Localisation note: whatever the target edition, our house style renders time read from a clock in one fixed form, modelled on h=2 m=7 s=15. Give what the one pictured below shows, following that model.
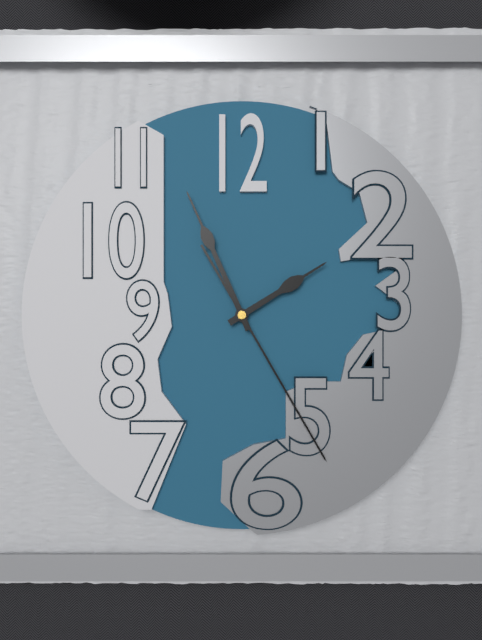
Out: h=1 m=56 s=25
